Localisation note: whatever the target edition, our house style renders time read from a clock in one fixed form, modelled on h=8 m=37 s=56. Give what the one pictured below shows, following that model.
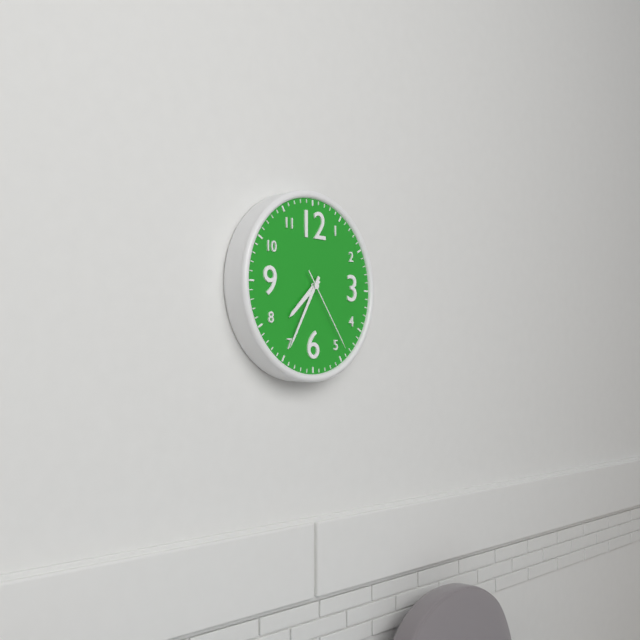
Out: h=7 m=35 s=24
